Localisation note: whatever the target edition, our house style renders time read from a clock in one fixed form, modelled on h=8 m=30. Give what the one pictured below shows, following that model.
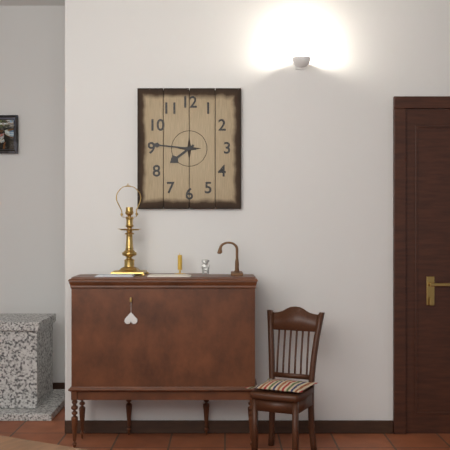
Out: h=7 m=46
